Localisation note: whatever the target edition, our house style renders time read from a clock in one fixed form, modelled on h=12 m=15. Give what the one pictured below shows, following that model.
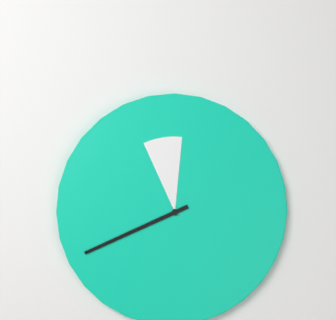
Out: h=11 m=41
